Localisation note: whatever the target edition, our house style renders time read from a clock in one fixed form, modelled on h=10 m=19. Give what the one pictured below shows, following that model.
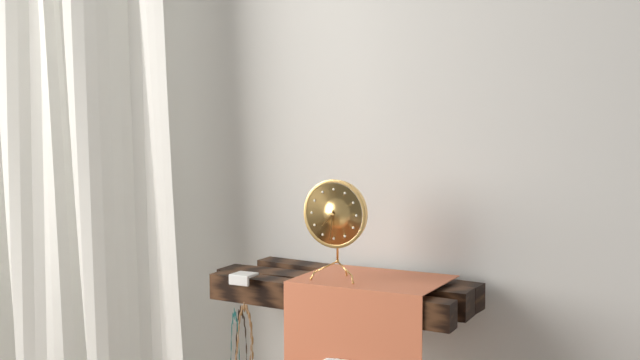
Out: h=7 m=31
